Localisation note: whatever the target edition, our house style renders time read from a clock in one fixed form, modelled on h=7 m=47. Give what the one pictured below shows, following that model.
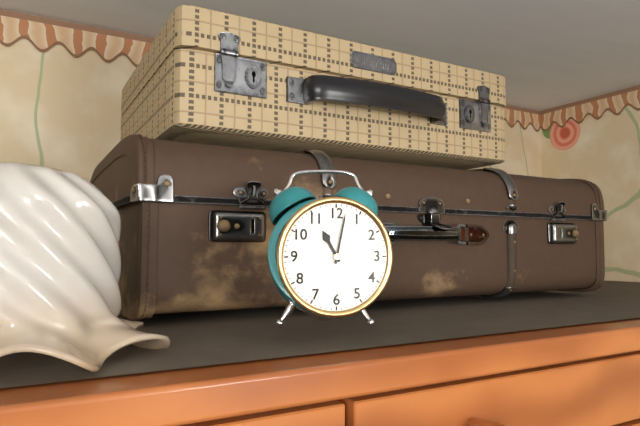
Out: h=11 m=2
